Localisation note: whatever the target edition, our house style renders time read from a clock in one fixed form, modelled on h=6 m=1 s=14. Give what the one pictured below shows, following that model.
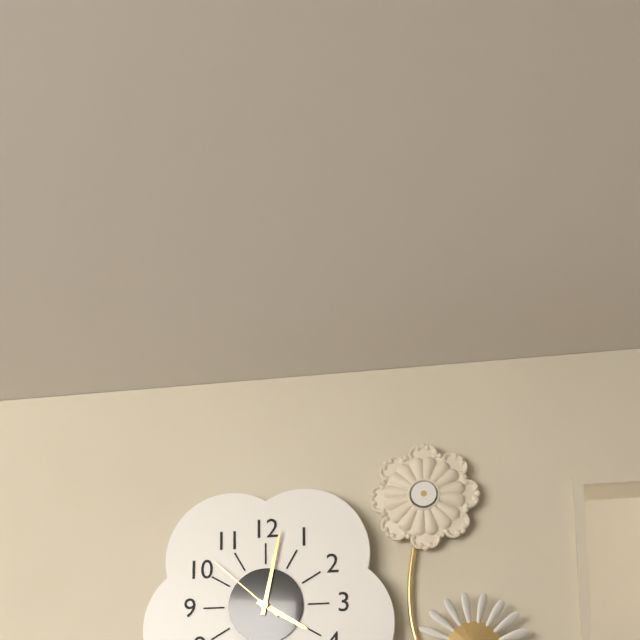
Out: h=4 m=2 s=52
